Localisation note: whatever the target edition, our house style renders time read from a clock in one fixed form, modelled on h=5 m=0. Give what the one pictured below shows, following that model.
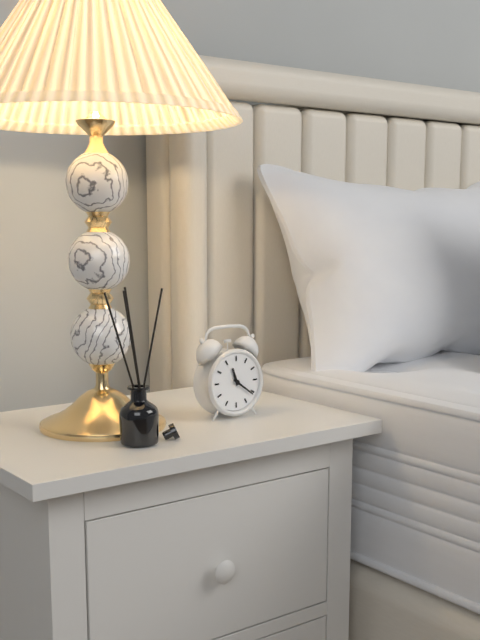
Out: h=11 m=21
